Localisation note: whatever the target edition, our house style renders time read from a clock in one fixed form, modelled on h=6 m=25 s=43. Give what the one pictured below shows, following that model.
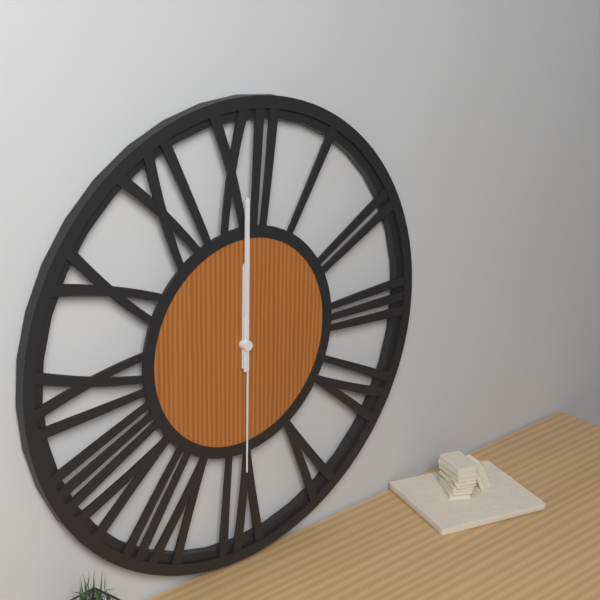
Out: h=12 m=0 s=30
